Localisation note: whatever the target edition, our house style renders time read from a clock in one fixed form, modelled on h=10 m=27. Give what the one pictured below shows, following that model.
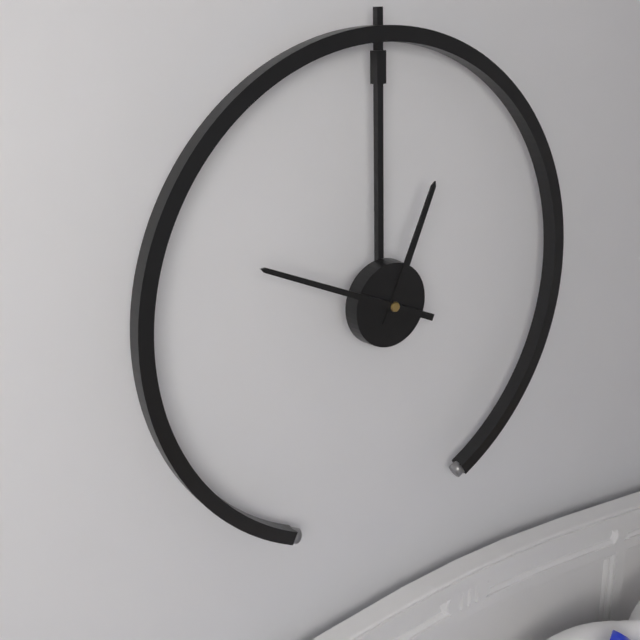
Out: h=12 m=49
